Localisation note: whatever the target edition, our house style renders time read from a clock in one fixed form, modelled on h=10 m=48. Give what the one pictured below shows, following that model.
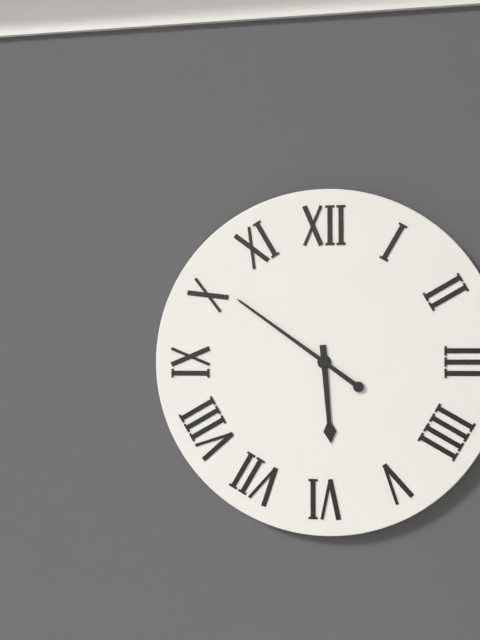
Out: h=5 m=51
